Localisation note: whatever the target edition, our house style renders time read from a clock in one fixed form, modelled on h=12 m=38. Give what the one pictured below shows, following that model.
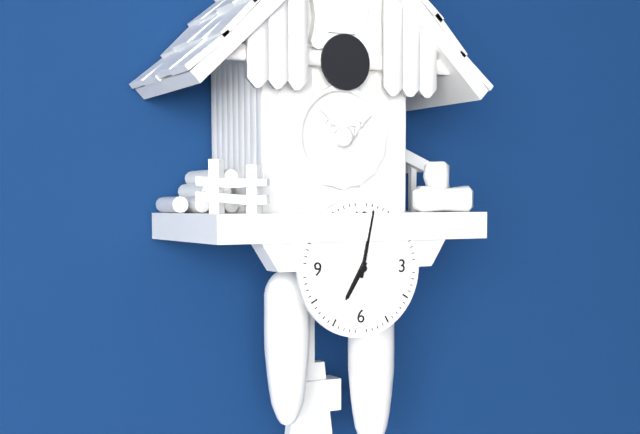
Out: h=7 m=2
